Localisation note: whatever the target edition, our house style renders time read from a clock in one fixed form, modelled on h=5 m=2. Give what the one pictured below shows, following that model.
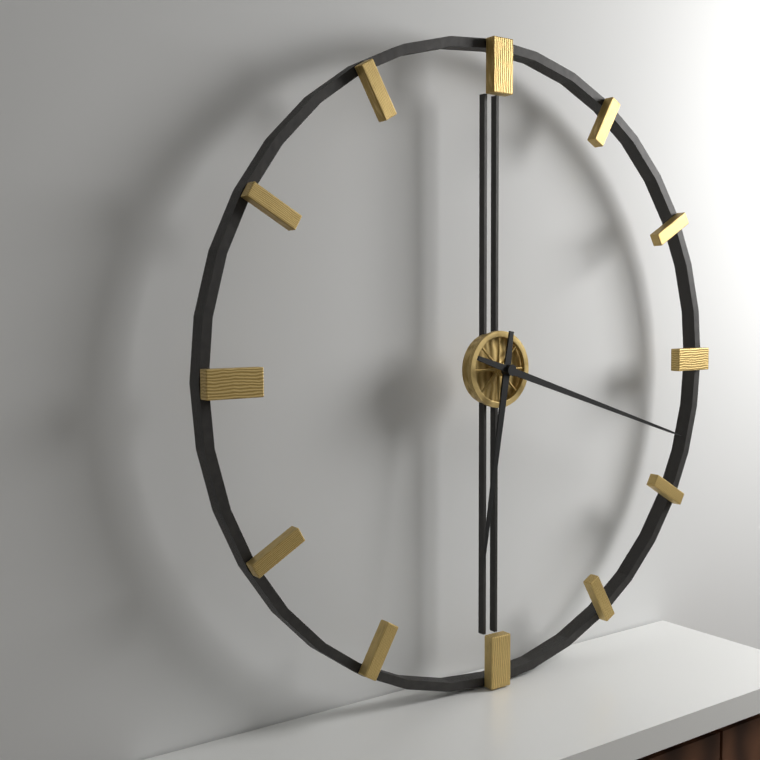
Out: h=6 m=18
